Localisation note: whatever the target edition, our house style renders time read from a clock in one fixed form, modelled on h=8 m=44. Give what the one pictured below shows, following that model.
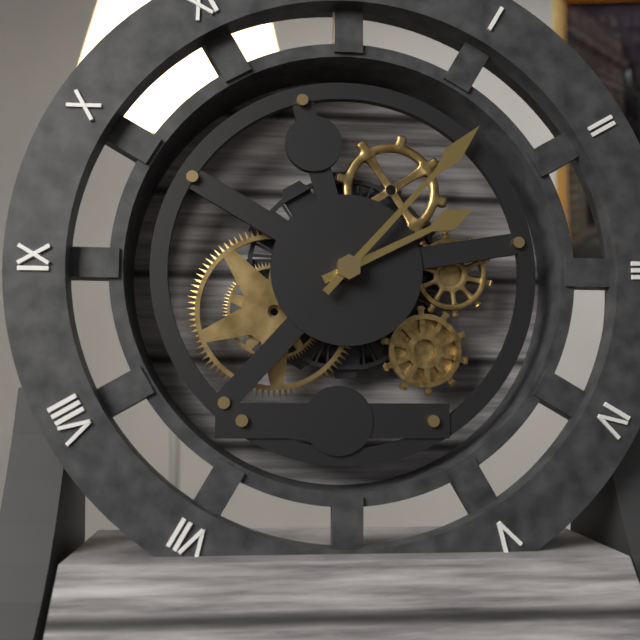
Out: h=2 m=7
